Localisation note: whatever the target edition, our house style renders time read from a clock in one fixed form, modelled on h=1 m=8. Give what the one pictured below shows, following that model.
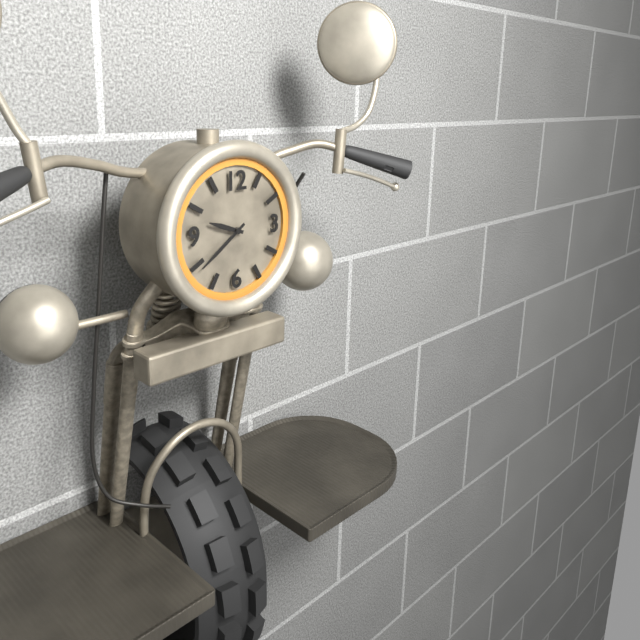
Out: h=9 m=39
